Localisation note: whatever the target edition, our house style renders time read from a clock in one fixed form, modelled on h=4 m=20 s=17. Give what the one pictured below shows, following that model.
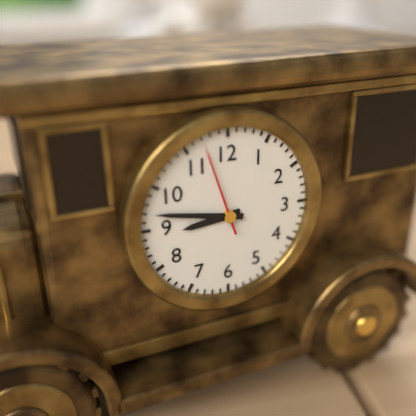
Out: h=8 m=47 s=57
